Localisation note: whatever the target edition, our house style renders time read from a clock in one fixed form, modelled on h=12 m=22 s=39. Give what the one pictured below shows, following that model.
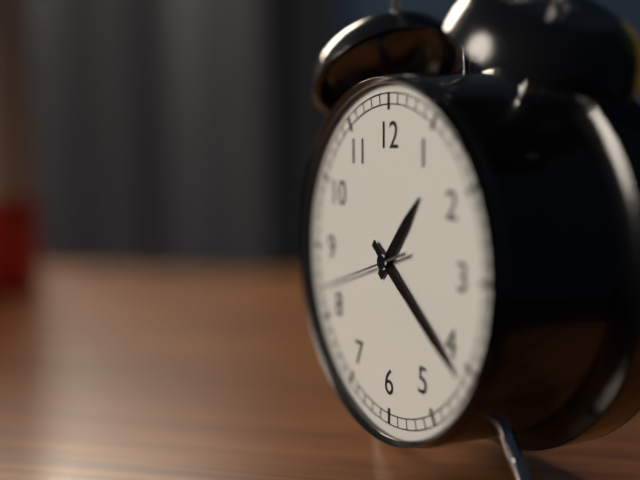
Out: h=1 m=21 s=42
